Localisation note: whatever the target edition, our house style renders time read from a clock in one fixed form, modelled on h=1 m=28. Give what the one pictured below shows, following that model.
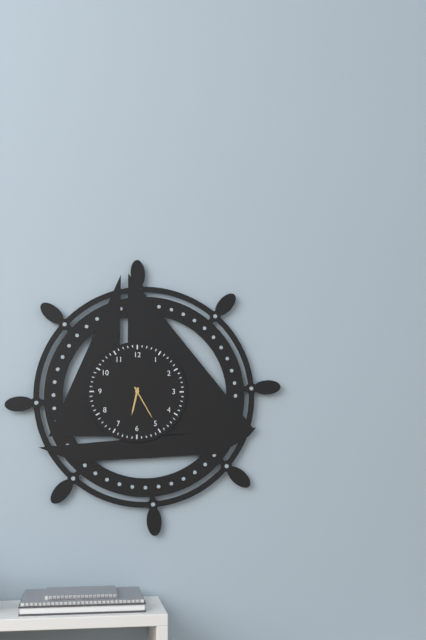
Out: h=6 m=25
